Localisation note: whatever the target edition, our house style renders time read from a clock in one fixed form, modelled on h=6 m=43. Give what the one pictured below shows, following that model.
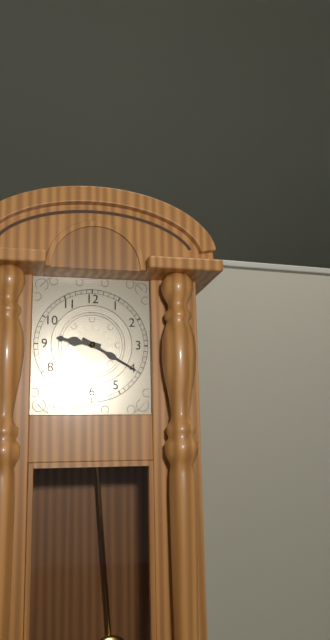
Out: h=9 m=20
